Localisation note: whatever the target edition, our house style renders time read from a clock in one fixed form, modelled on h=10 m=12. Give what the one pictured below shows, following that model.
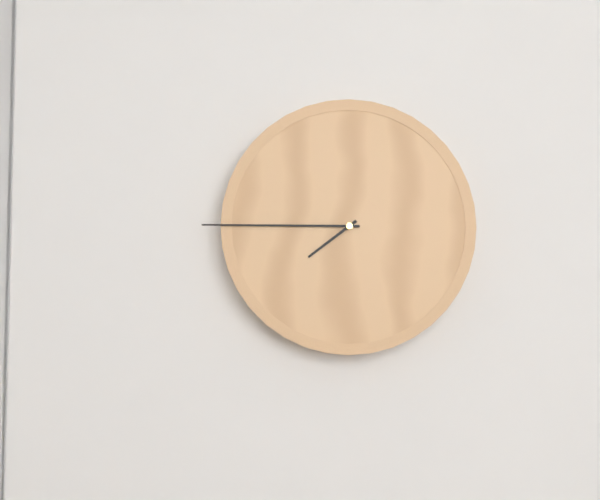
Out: h=7 m=45
